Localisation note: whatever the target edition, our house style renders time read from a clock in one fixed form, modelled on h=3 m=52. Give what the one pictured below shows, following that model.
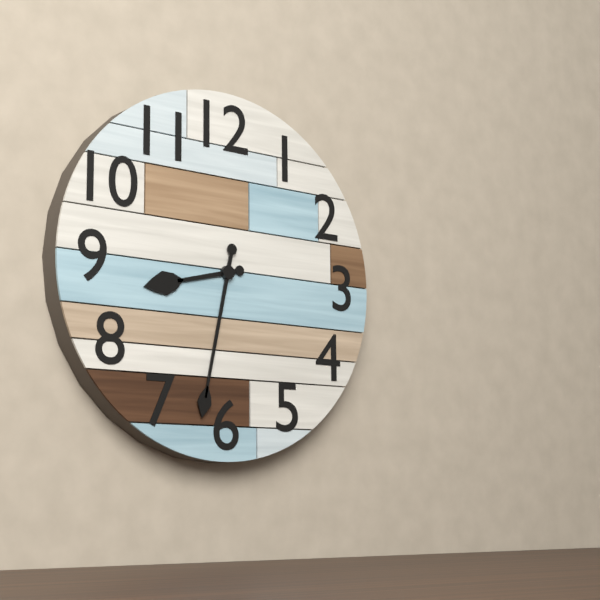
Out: h=8 m=32
